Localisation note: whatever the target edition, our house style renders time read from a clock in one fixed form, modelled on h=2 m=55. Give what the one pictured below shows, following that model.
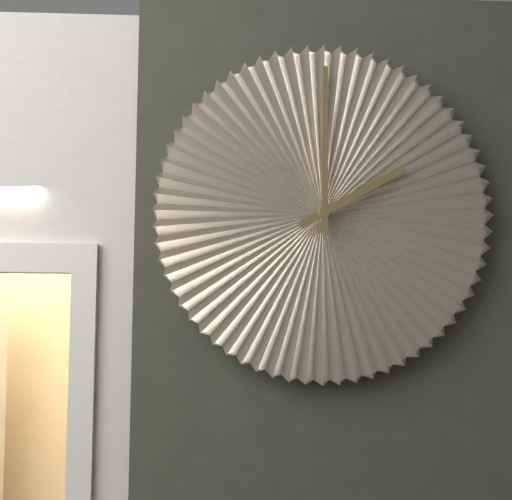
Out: h=2 m=0
